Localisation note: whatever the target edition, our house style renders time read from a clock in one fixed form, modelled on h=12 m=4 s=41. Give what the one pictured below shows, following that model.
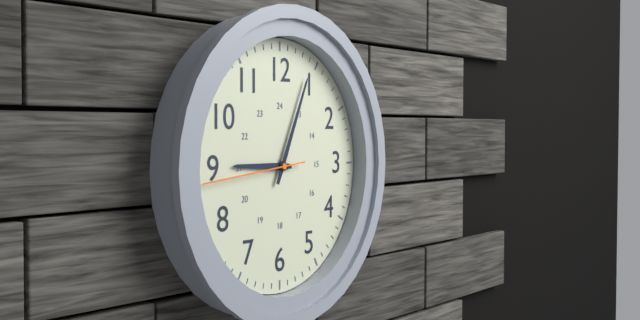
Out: h=9 m=4 s=44
